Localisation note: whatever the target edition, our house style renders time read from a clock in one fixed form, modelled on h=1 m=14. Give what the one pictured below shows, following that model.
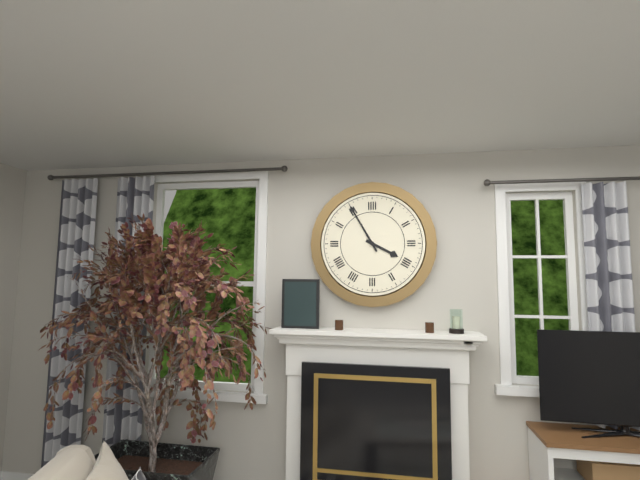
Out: h=3 m=55
